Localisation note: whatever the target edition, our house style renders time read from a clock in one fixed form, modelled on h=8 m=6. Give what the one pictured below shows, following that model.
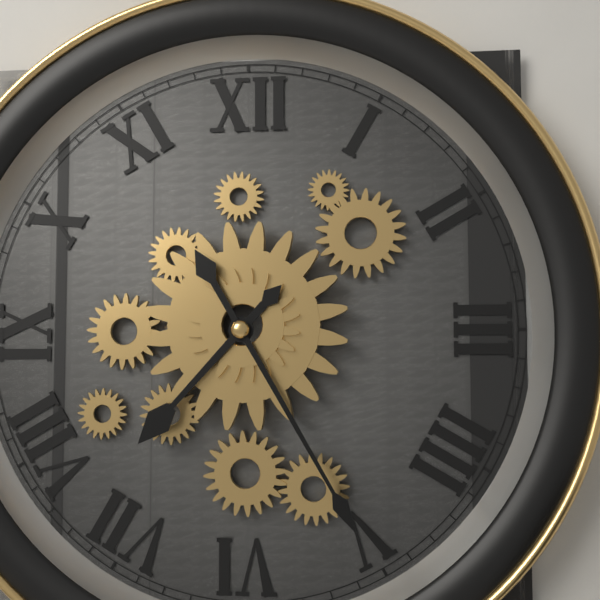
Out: h=7 m=25
